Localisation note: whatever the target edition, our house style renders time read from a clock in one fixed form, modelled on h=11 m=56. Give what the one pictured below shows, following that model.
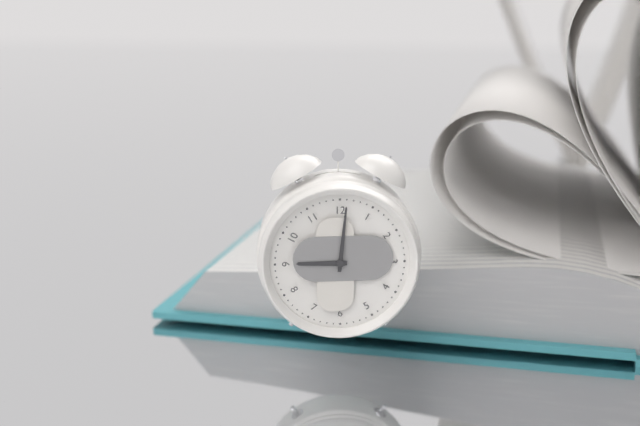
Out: h=9 m=1
